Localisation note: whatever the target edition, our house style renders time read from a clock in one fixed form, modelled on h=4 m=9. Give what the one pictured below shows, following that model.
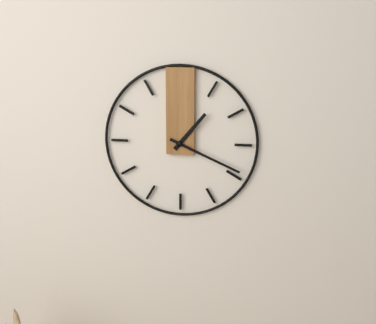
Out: h=1 m=19
